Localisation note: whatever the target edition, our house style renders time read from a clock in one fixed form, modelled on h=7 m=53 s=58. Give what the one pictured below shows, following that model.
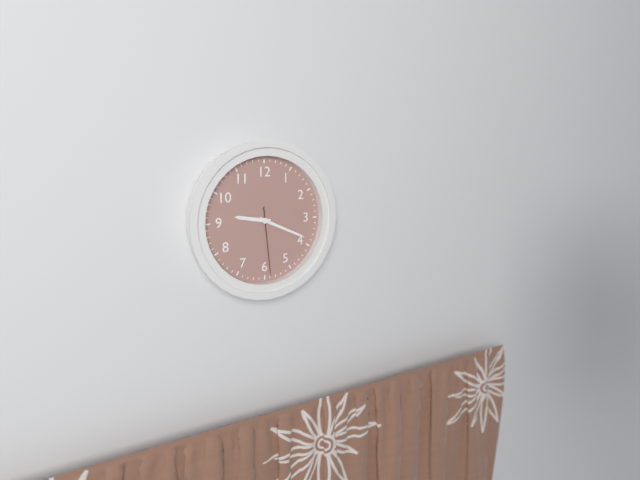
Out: h=9 m=19 s=29
